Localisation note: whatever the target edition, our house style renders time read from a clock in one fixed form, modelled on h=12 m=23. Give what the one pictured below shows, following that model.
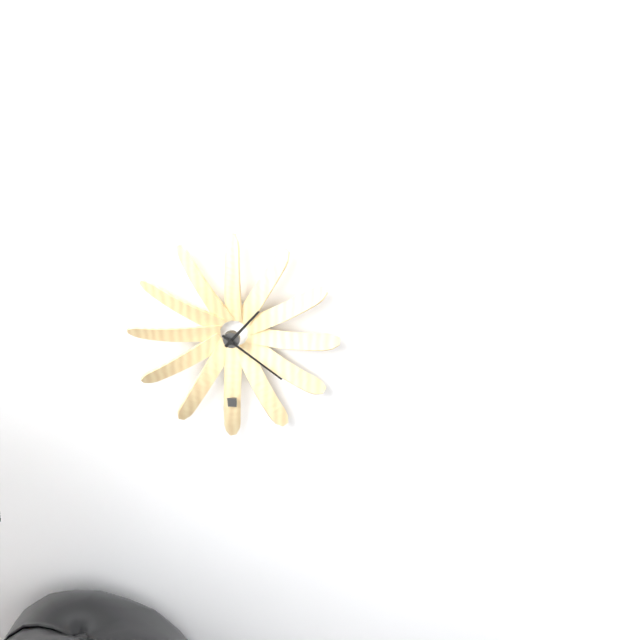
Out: h=1 m=21
